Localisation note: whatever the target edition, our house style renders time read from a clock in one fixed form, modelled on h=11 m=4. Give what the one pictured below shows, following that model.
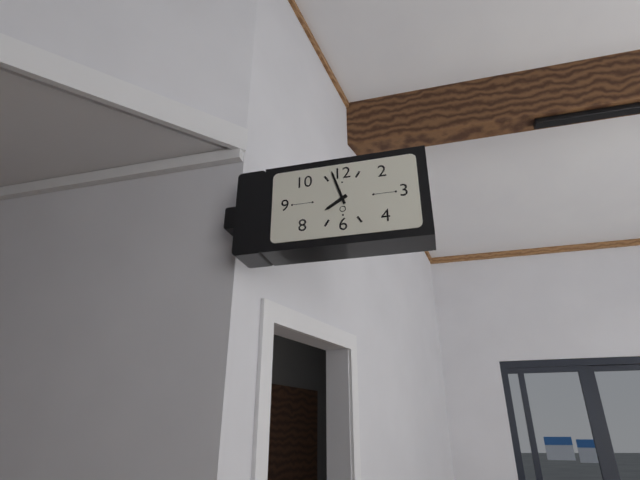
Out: h=7 m=57
